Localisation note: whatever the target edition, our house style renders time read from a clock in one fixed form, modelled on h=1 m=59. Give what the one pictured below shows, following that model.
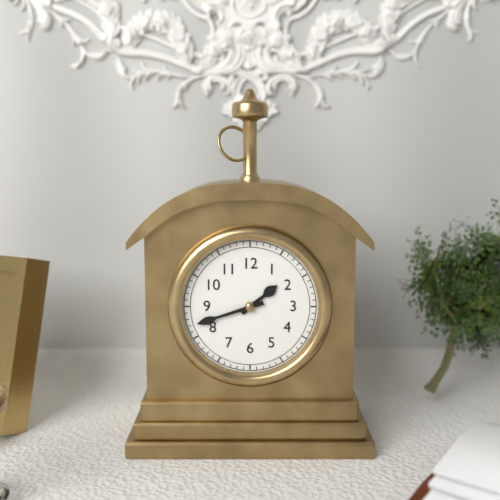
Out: h=1 m=42
